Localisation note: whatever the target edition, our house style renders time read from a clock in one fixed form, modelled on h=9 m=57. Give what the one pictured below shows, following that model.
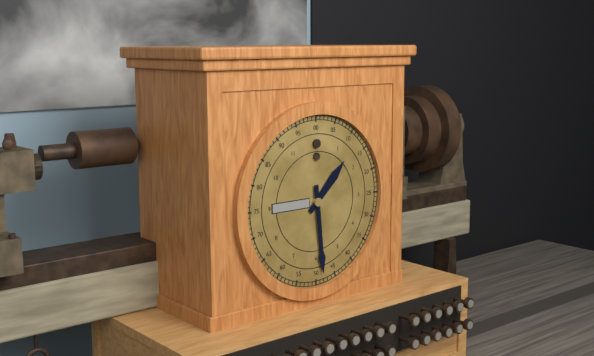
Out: h=1 m=29
